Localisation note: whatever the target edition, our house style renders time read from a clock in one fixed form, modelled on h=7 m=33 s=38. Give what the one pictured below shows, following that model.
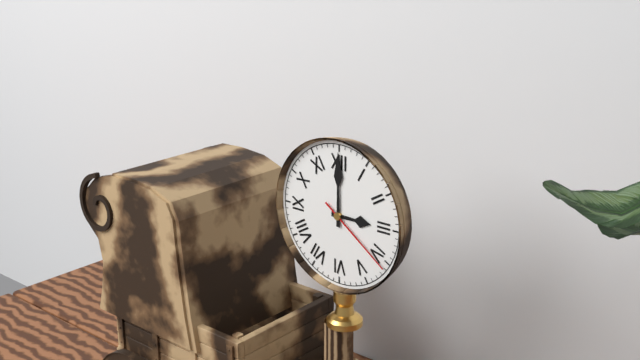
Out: h=3 m=0 s=21
